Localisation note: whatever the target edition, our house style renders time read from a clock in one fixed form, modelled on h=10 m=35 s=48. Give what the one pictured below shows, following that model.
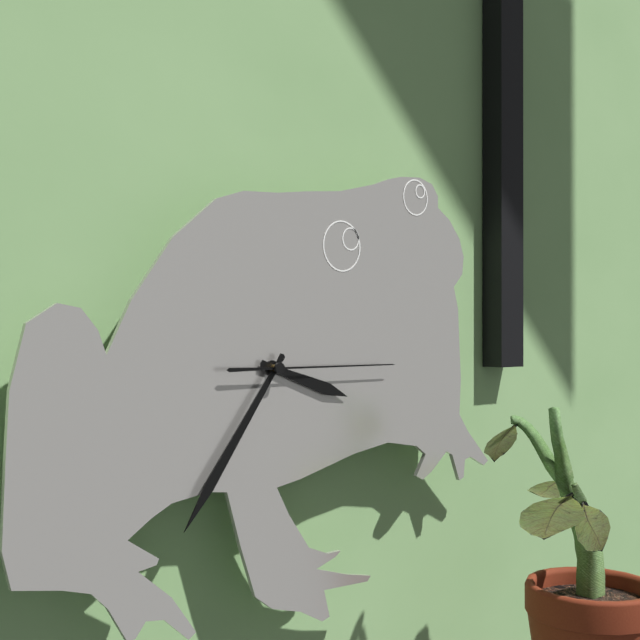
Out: h=3 m=36 s=15
